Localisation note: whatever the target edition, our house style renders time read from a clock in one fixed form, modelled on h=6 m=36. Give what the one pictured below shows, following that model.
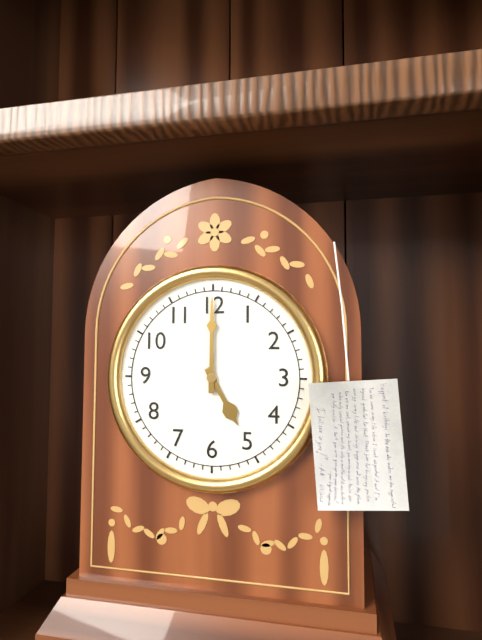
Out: h=5 m=0
